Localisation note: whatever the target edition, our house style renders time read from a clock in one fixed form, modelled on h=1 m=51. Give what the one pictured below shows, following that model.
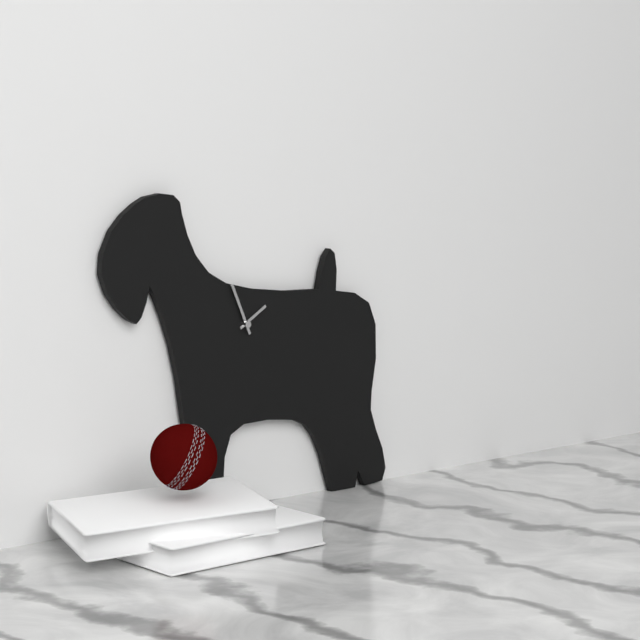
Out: h=1 m=56
